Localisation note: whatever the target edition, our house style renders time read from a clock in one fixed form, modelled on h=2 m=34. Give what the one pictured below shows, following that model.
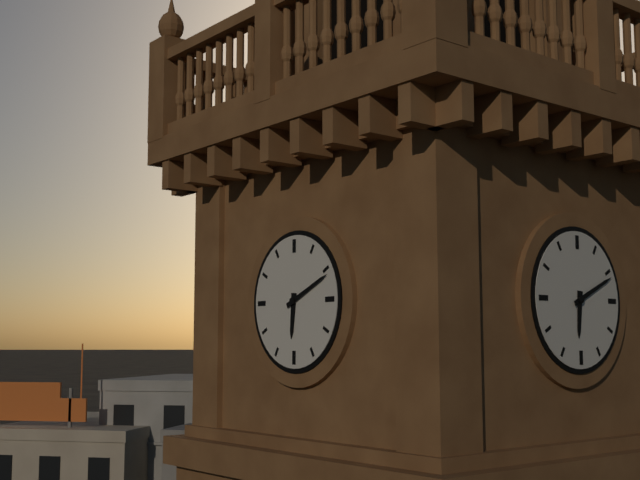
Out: h=6 m=11
